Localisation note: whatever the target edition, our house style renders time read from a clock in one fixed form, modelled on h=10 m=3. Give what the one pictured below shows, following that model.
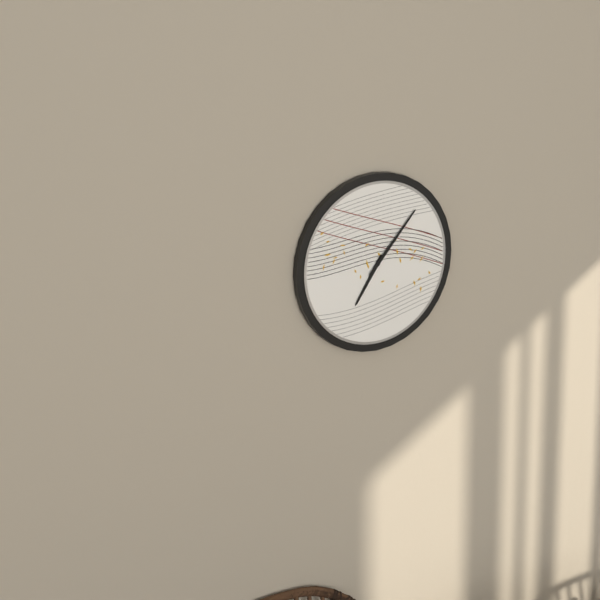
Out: h=7 m=7
